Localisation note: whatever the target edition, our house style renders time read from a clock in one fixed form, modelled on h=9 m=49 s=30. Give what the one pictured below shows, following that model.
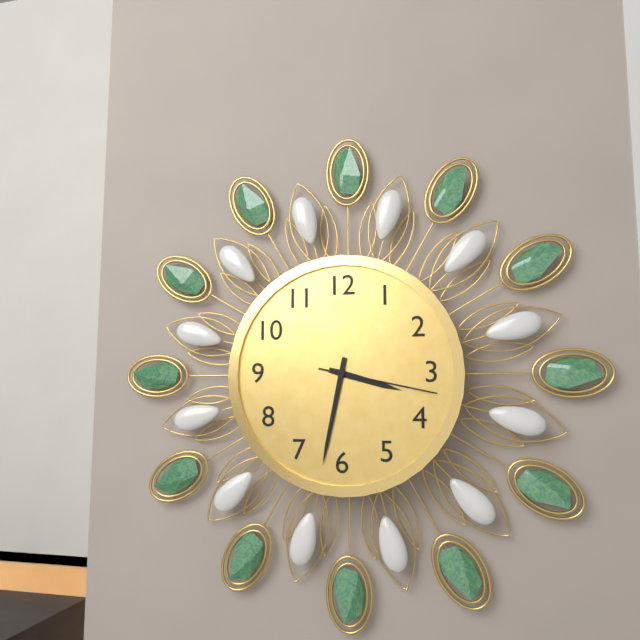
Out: h=3 m=32 s=17
